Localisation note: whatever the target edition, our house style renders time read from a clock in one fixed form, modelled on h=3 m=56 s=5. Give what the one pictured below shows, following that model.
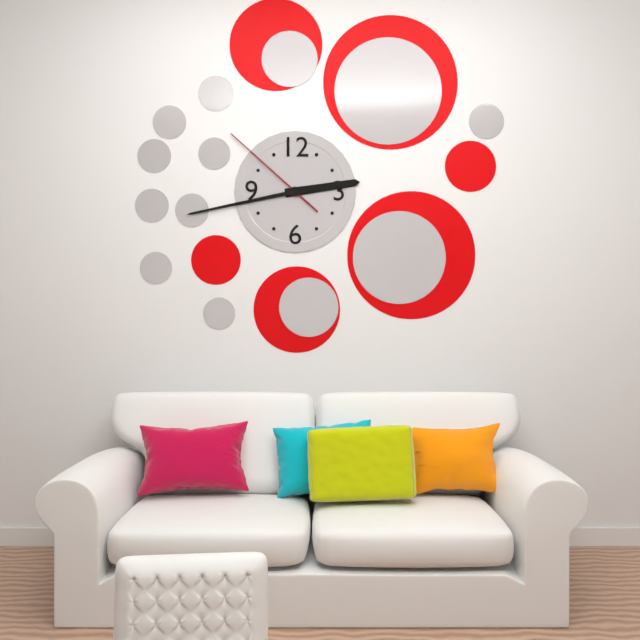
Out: h=2 m=43 s=52
